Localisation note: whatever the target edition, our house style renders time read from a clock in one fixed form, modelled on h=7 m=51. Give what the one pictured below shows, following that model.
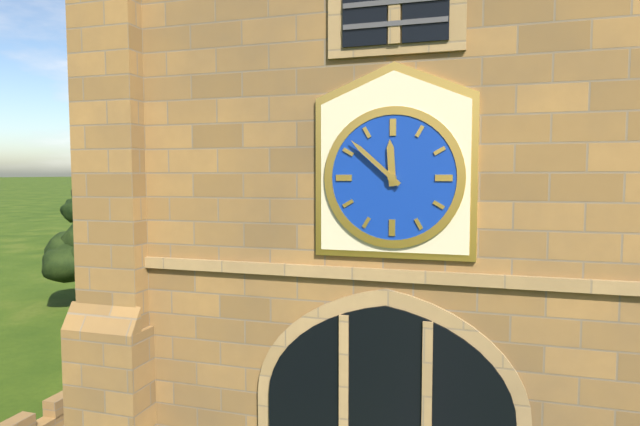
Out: h=11 m=52
